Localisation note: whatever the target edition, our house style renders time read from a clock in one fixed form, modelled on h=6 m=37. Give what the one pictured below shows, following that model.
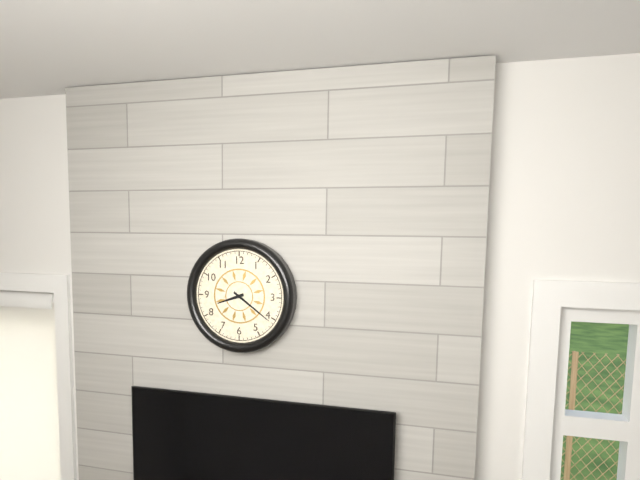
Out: h=8 m=21
